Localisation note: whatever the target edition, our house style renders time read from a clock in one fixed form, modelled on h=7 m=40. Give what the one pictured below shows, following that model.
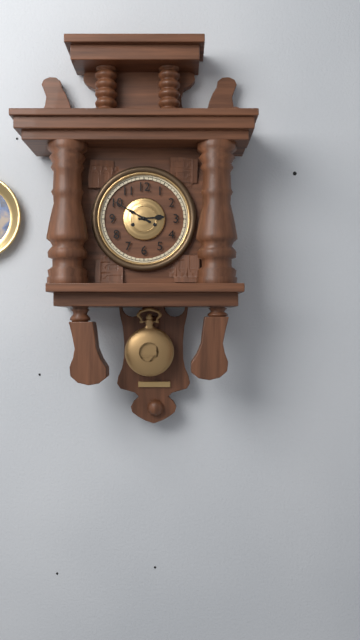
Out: h=2 m=50
